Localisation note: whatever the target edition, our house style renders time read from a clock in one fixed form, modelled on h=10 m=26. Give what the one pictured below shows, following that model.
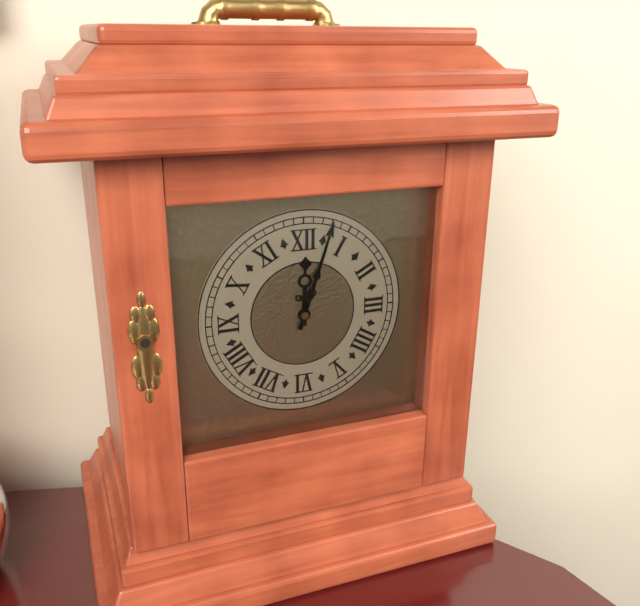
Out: h=12 m=3
